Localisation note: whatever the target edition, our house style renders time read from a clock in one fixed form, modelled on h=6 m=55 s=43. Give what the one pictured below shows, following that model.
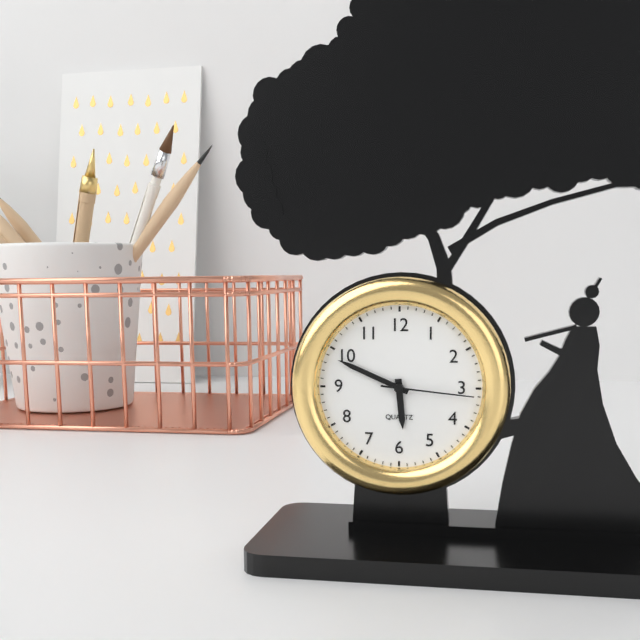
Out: h=5 m=49 s=16
